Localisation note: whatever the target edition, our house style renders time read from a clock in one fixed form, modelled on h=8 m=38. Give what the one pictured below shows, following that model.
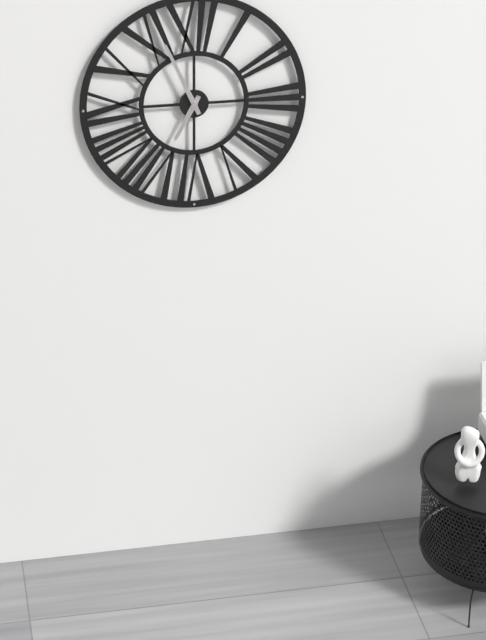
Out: h=6 m=56
